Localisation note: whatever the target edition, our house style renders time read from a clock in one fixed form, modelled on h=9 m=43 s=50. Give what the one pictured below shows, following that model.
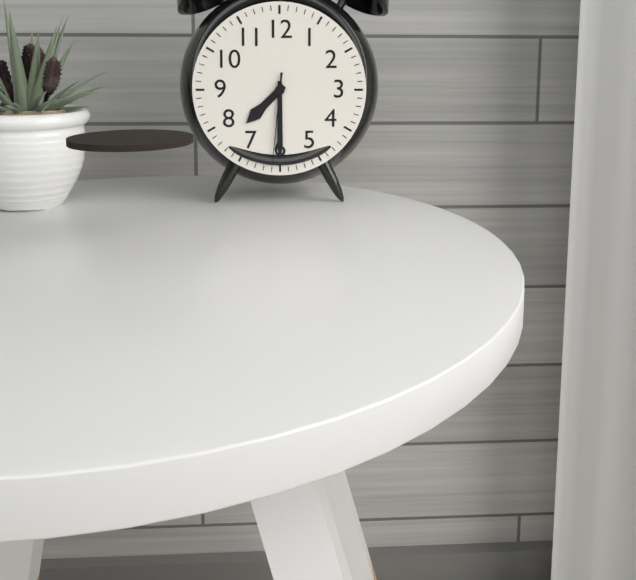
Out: h=7 m=30 s=31
